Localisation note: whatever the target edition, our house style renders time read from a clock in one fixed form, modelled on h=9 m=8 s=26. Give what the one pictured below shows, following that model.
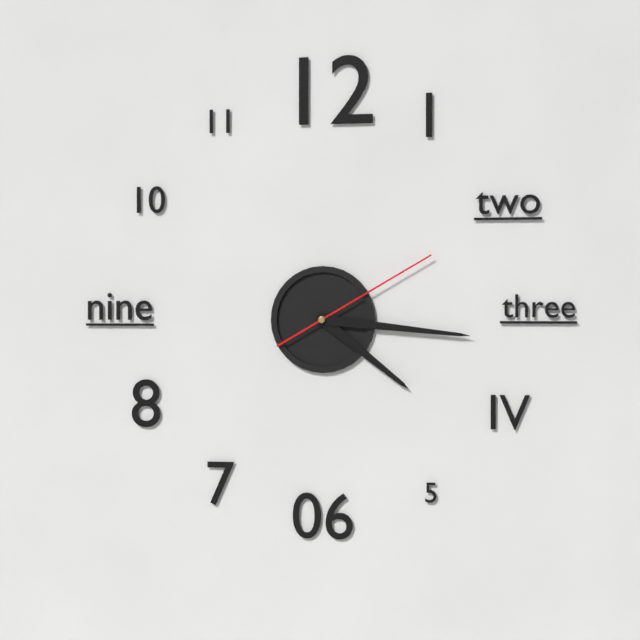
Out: h=4 m=16 s=10
